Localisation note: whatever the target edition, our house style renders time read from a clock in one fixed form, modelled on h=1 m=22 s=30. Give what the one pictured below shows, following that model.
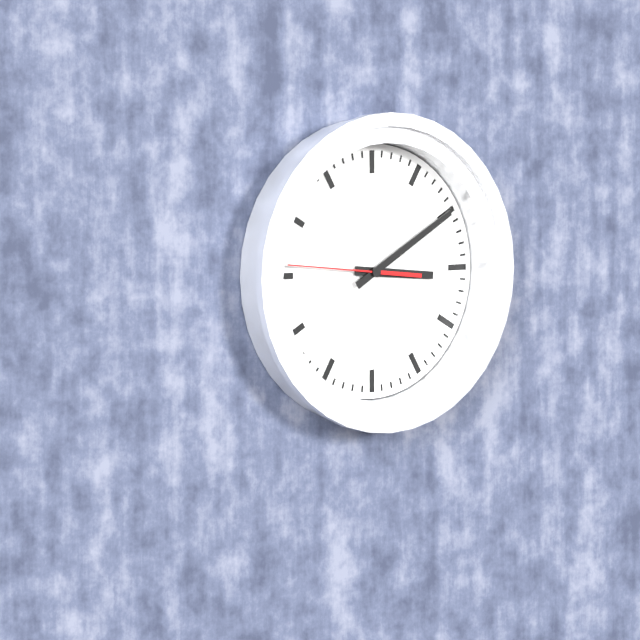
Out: h=3 m=10 s=46
